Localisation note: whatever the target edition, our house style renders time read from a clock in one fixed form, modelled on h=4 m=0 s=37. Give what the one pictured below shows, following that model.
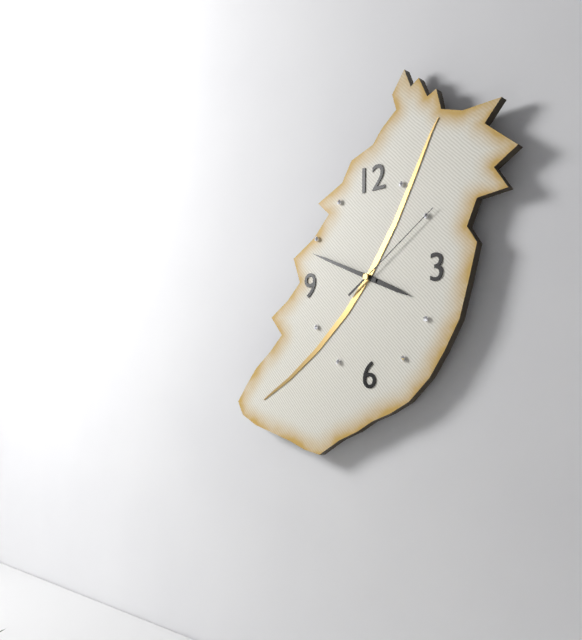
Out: h=3 m=49 s=9
